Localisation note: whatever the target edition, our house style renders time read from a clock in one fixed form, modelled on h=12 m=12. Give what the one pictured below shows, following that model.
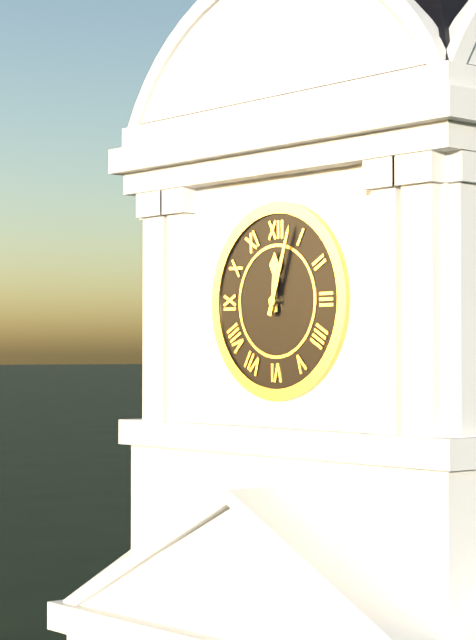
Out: h=12 m=3
